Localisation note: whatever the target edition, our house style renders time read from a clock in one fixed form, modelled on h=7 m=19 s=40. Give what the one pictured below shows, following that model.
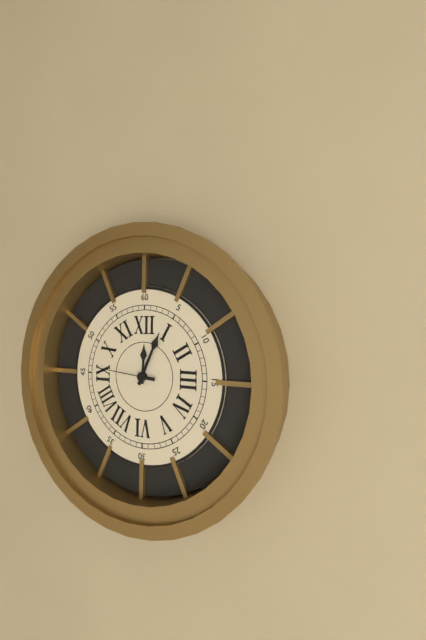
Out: h=12 m=4 s=46
